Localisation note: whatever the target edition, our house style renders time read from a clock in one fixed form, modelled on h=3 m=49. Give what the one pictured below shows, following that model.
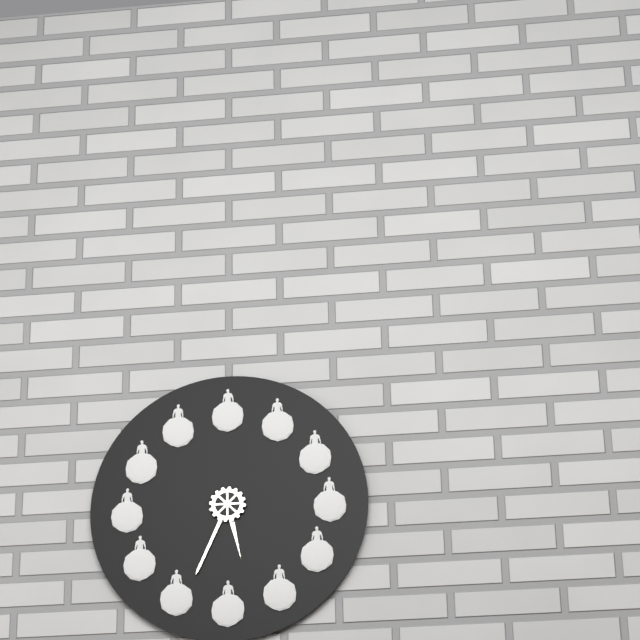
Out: h=5 m=34
